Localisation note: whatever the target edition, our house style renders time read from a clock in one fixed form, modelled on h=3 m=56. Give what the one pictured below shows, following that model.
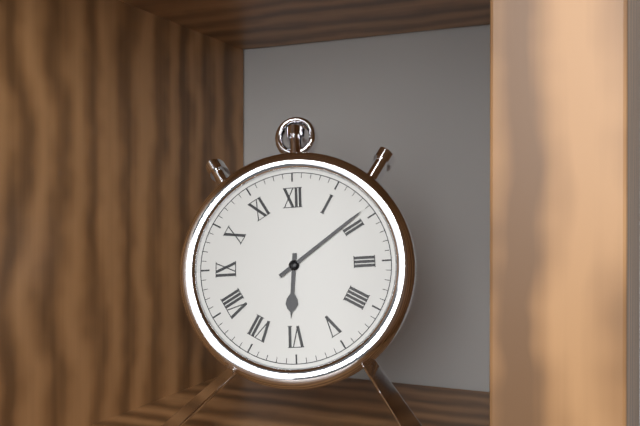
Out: h=6 m=9
